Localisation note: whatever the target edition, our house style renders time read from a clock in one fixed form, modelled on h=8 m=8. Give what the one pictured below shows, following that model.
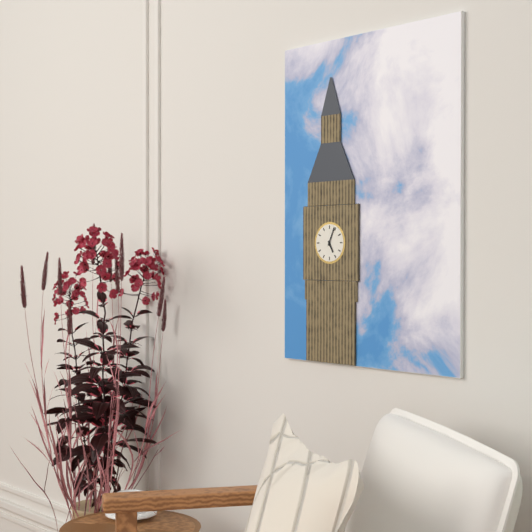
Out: h=5 m=4
